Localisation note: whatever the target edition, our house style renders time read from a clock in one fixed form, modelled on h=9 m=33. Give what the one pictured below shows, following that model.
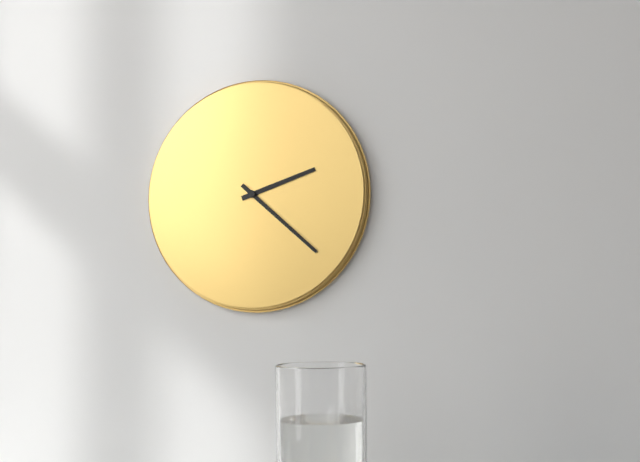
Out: h=2 m=22
